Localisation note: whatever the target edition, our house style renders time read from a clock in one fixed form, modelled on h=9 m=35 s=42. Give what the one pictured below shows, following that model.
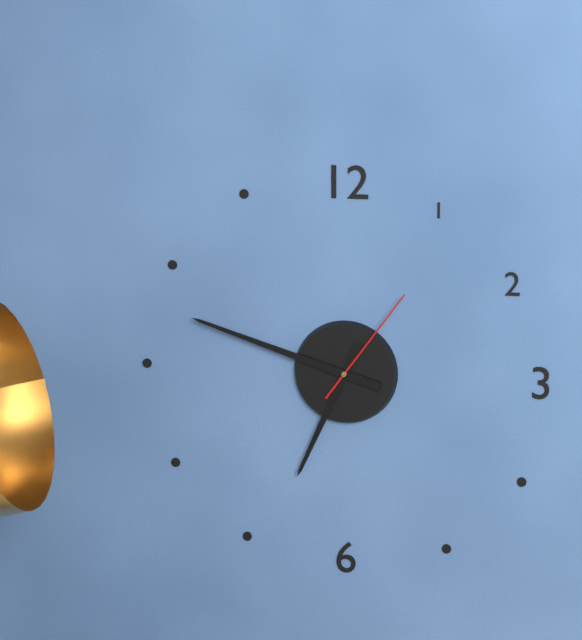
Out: h=6 m=48 s=6
